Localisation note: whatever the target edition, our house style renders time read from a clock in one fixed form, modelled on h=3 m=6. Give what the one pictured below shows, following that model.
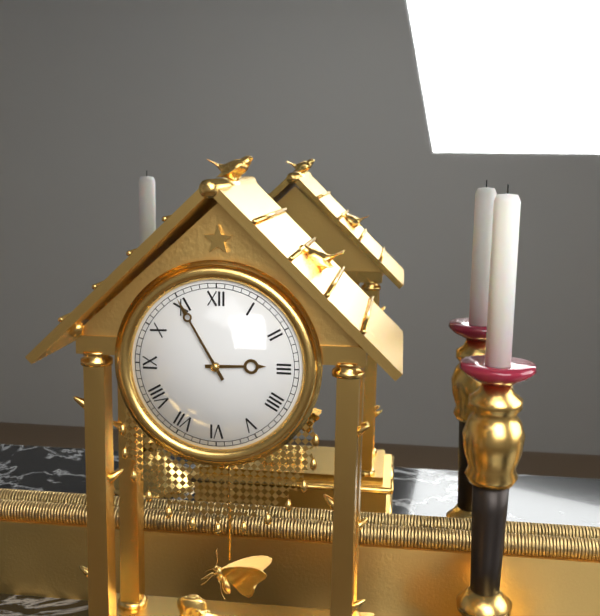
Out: h=2 m=55
